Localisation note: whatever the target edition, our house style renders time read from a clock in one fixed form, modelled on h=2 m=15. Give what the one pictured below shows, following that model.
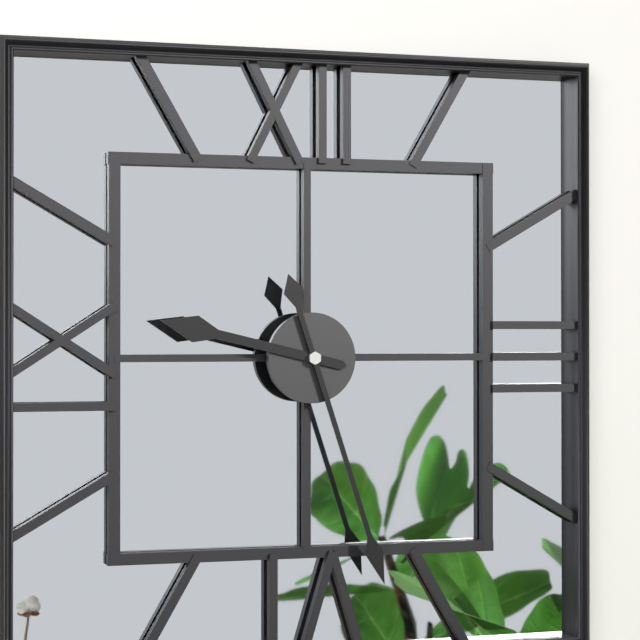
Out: h=9 m=27
